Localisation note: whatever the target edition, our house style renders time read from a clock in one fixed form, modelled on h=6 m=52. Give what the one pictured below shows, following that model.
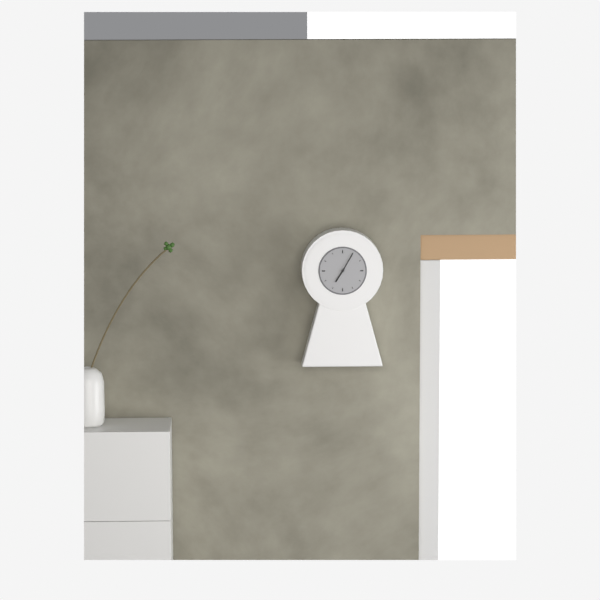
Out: h=7 m=5
